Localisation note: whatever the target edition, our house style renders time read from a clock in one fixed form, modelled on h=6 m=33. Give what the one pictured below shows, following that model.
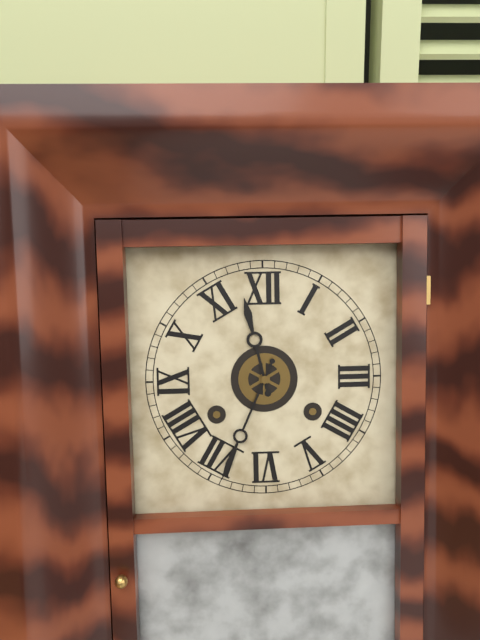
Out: h=11 m=34
